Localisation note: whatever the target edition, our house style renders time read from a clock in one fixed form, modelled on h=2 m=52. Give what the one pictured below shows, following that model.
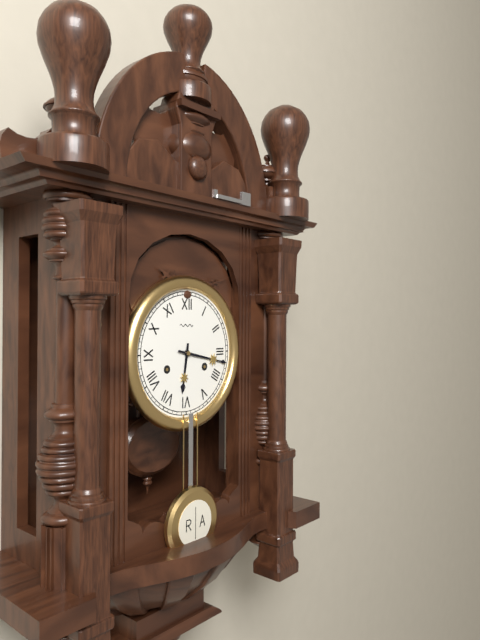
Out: h=6 m=17
